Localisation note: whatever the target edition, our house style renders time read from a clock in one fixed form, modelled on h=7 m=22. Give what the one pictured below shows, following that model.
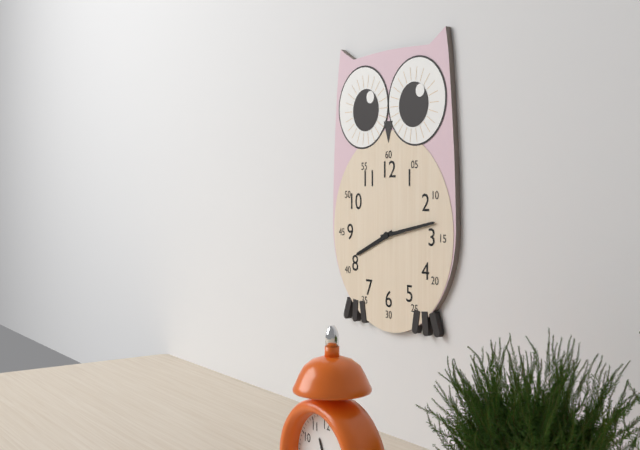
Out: h=8 m=13
